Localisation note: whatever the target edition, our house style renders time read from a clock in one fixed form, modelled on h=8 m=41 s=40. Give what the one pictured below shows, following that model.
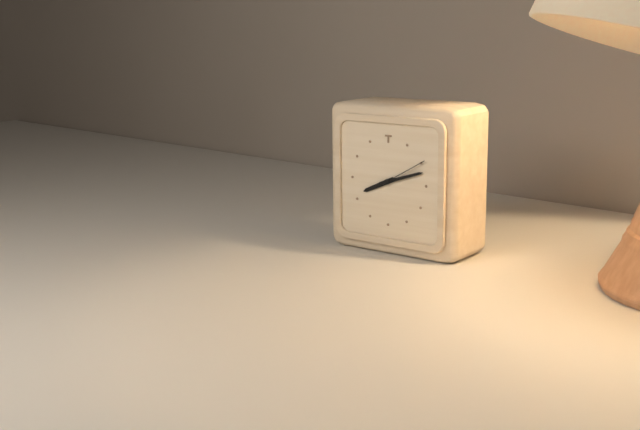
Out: h=8 m=12 s=10
